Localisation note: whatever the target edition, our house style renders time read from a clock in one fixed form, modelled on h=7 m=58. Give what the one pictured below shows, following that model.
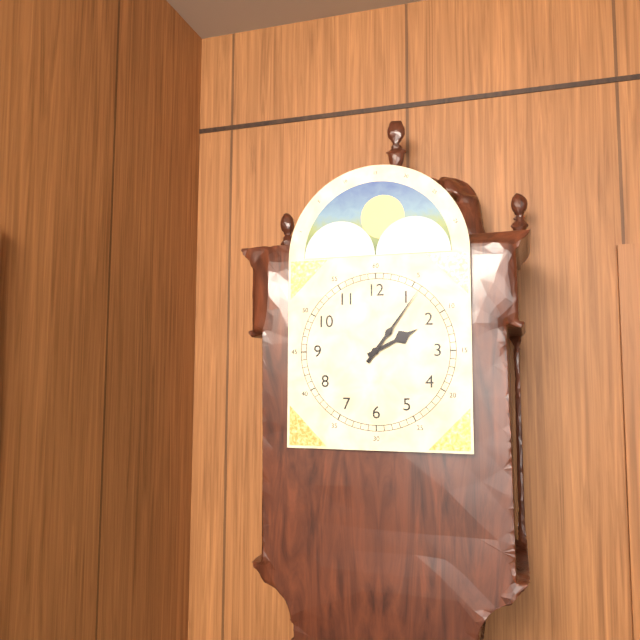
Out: h=2 m=6
